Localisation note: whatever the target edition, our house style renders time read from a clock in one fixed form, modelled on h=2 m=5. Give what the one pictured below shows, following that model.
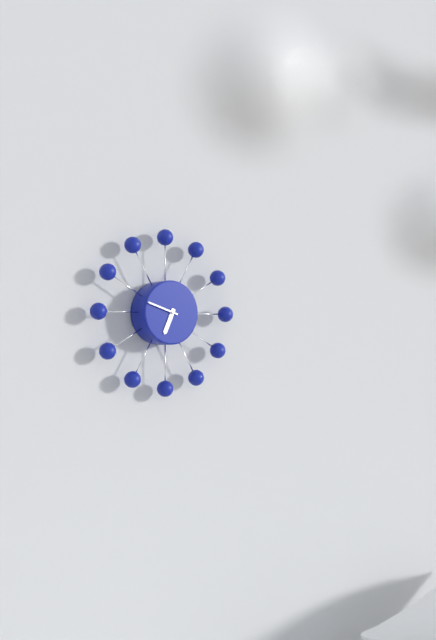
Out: h=6 m=48
